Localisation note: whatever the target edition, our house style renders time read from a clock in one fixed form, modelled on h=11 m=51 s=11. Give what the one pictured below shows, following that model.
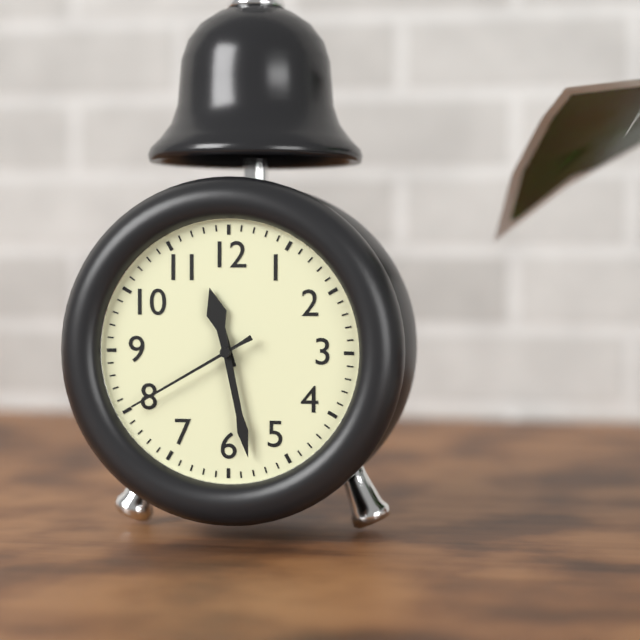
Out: h=11 m=28 s=40
